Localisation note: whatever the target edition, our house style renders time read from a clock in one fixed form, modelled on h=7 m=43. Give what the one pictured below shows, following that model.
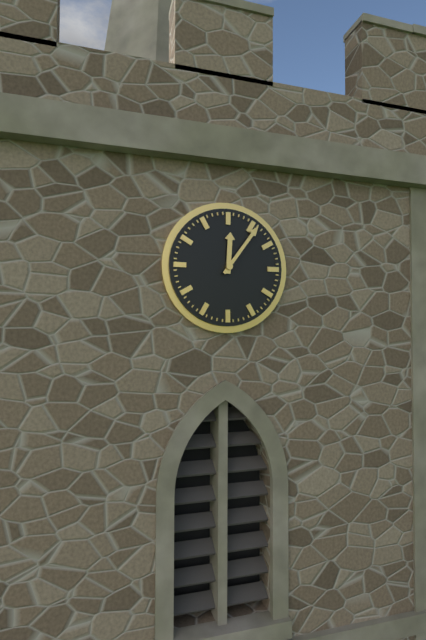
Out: h=12 m=6
